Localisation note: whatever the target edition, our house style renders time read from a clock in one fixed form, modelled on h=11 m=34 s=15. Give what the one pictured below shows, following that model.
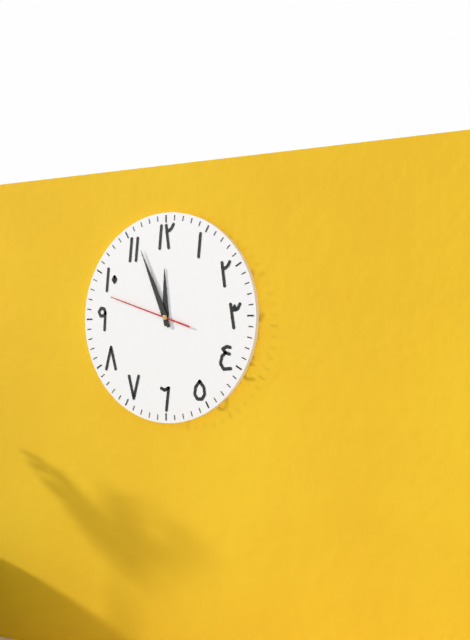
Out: h=11 m=56 s=48
